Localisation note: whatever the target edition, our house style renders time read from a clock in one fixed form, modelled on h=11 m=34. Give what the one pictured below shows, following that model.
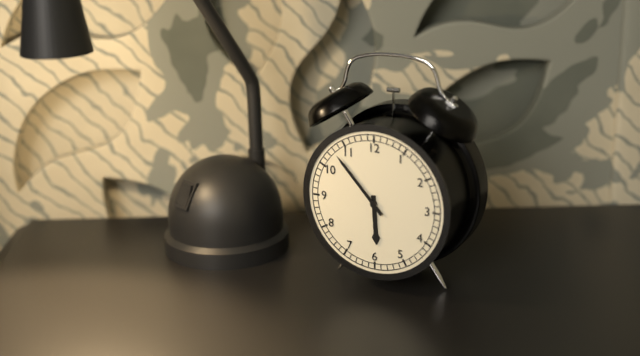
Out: h=5 m=53
